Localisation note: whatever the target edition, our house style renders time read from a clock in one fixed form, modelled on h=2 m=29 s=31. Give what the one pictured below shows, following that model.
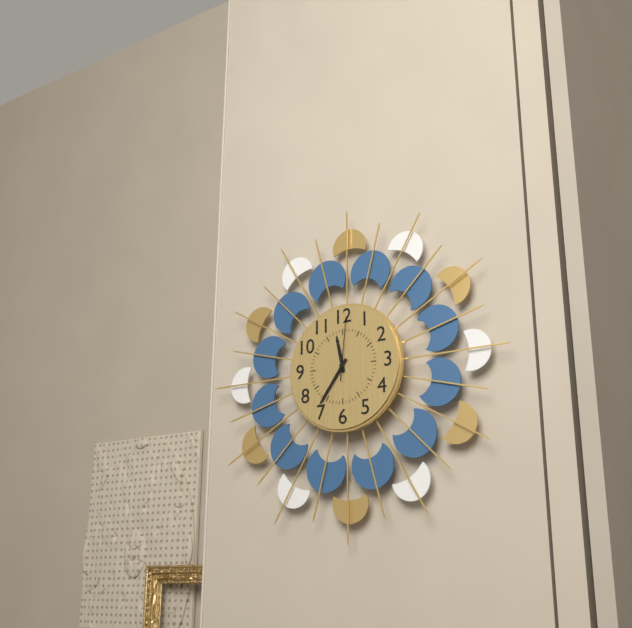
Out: h=11 m=36 s=1
